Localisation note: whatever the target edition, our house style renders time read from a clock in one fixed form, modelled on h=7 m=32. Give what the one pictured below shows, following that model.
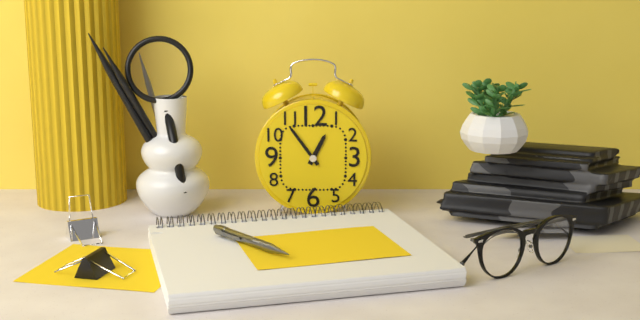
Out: h=12 m=54
